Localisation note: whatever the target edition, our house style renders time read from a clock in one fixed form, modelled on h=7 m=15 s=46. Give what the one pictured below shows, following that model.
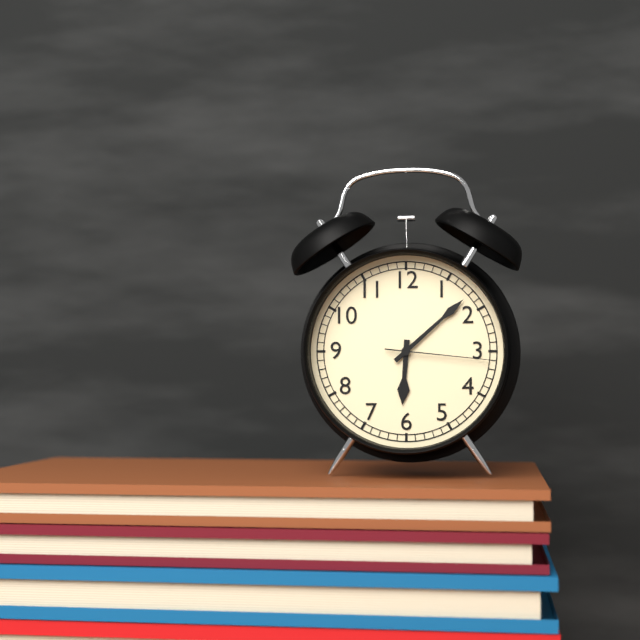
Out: h=6 m=8 s=16
